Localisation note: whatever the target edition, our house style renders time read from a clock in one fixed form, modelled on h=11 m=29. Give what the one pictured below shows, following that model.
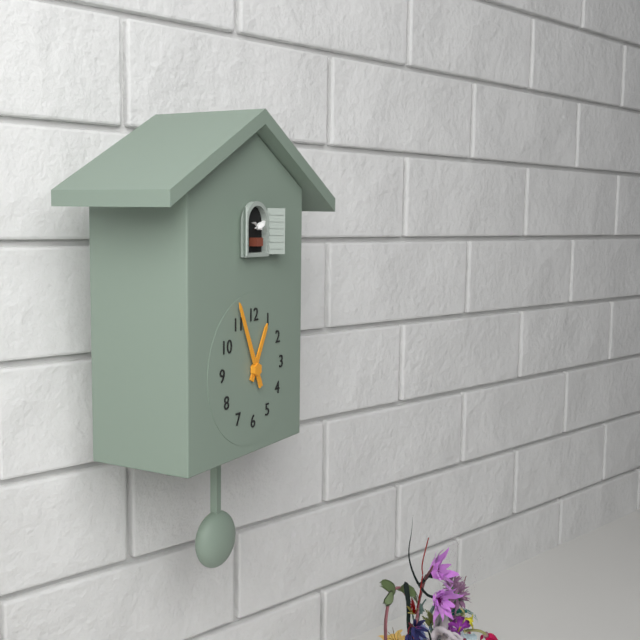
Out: h=12 m=56
